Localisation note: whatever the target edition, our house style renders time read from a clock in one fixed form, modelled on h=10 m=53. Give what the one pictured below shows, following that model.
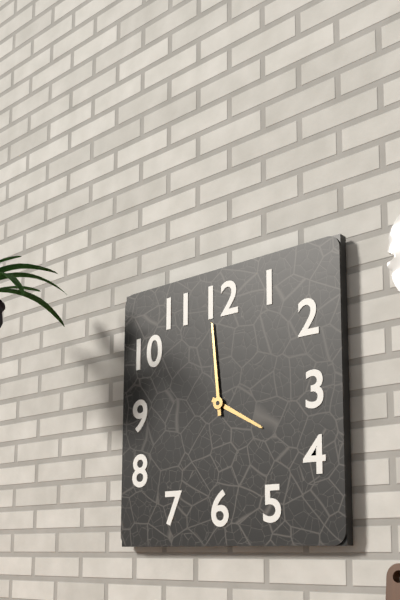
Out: h=3 m=59
